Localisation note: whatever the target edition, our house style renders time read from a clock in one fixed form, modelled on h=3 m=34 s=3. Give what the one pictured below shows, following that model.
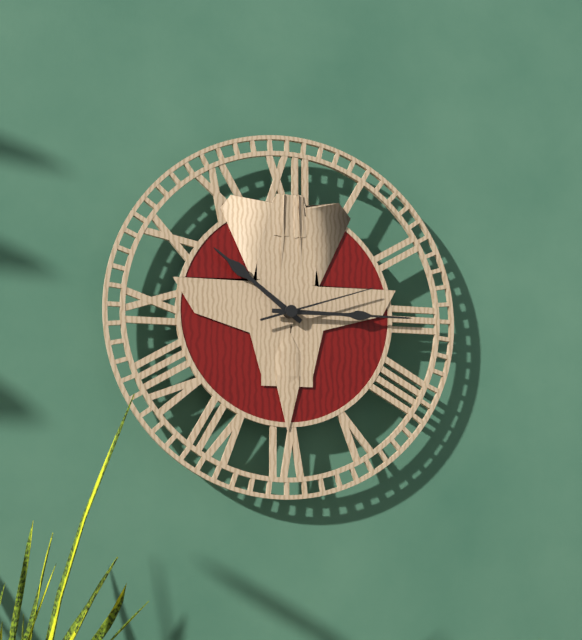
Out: h=10 m=15 s=12
